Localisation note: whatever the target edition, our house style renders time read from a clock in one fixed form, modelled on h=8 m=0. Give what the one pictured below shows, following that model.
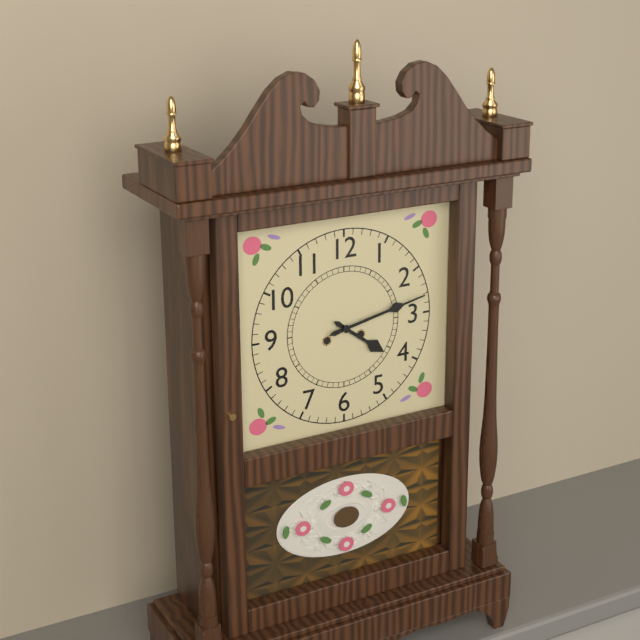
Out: h=4 m=13
